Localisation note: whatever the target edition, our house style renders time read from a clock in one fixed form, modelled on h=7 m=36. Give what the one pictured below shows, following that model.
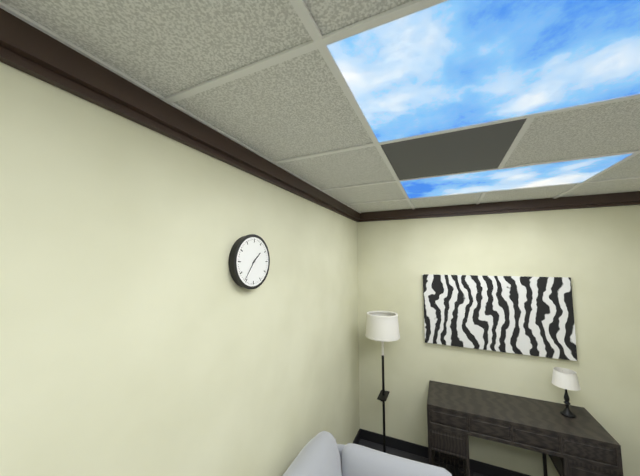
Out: h=1 m=36
